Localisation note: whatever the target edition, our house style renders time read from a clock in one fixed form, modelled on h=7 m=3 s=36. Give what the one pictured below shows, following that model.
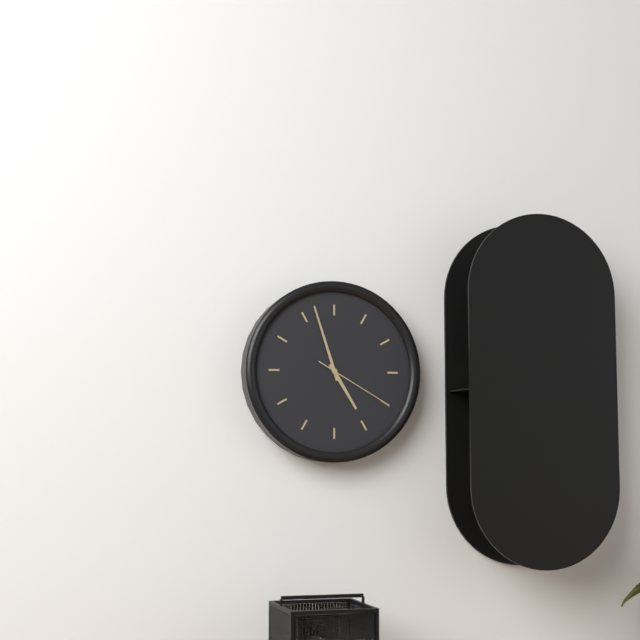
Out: h=4 m=57 s=20
